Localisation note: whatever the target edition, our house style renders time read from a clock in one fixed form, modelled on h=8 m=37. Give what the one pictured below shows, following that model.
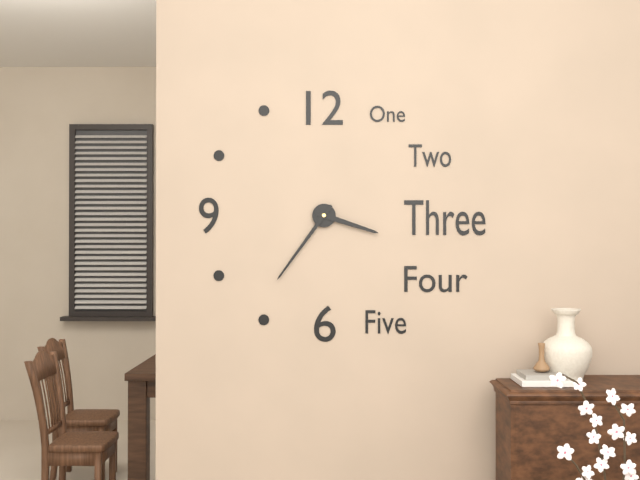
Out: h=3 m=36
